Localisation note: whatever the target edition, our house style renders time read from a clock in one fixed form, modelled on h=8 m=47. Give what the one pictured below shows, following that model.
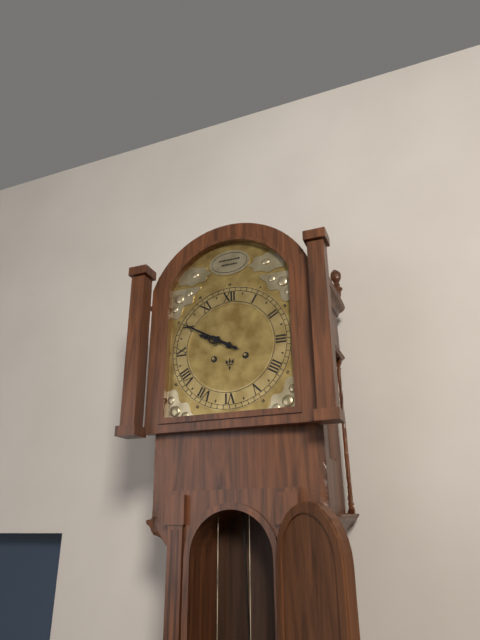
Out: h=9 m=50
